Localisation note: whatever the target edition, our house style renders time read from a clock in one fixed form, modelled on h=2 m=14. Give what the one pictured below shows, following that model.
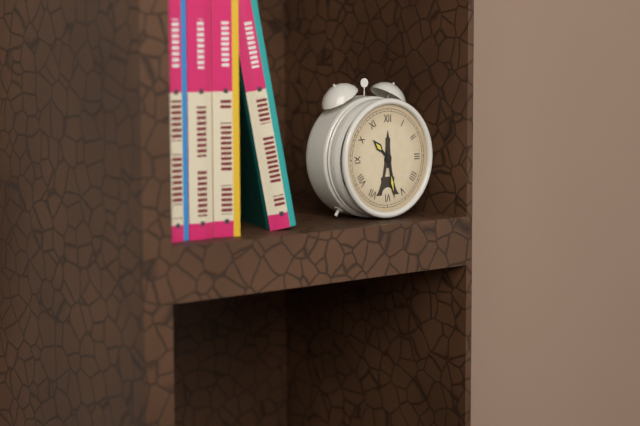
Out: h=10 m=28
